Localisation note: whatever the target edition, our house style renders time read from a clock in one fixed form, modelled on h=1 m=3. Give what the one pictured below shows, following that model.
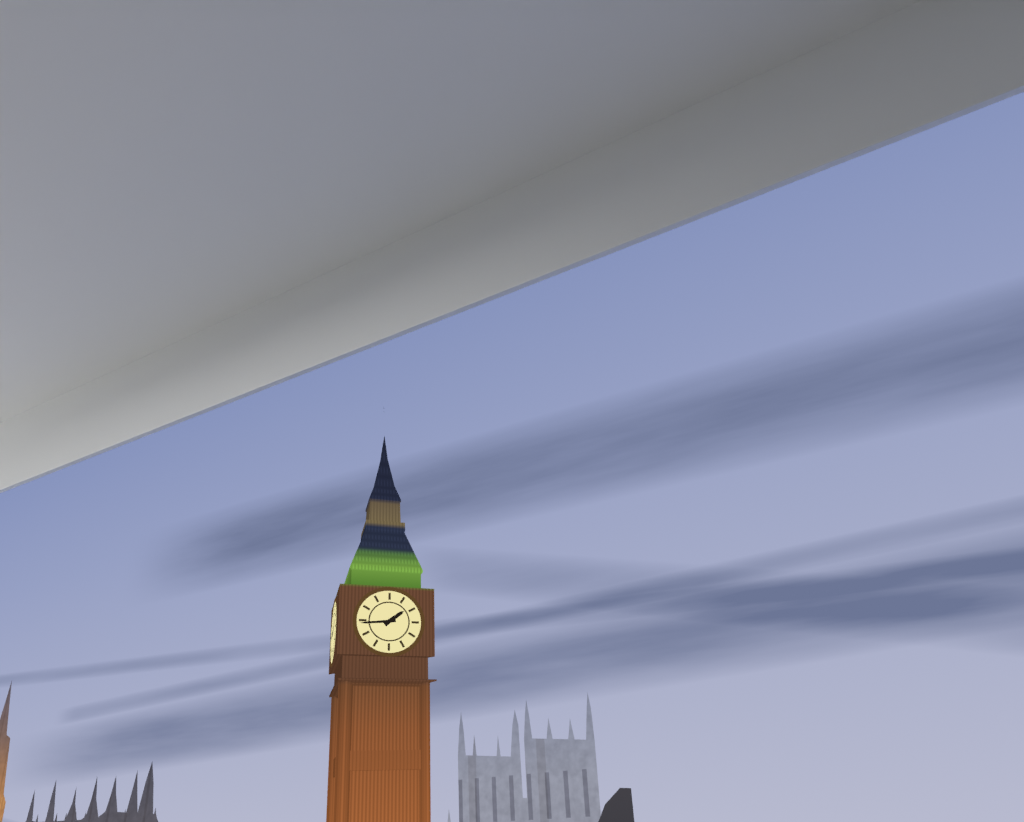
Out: h=1 m=44
